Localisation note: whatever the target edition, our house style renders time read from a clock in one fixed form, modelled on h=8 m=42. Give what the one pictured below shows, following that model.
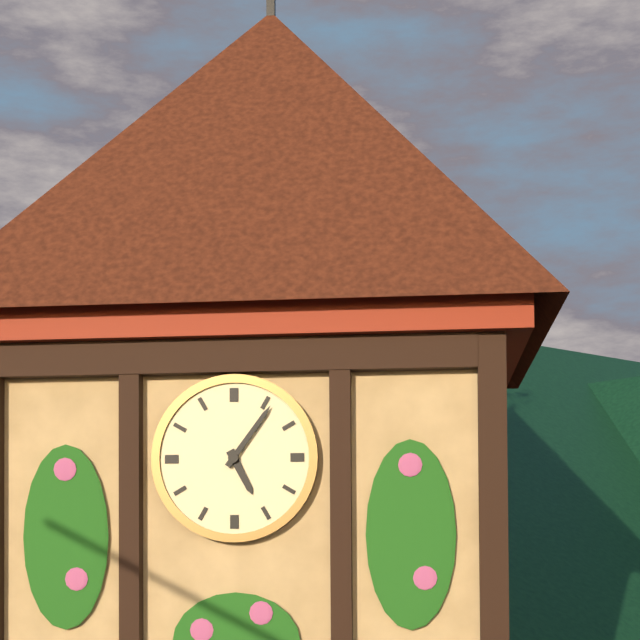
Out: h=5 m=6
